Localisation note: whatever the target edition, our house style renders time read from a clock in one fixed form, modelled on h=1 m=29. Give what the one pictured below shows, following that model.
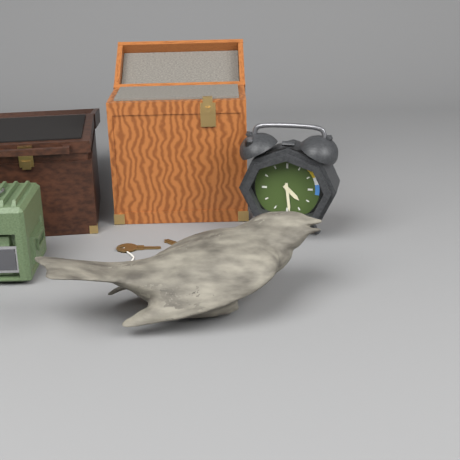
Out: h=4 m=29
